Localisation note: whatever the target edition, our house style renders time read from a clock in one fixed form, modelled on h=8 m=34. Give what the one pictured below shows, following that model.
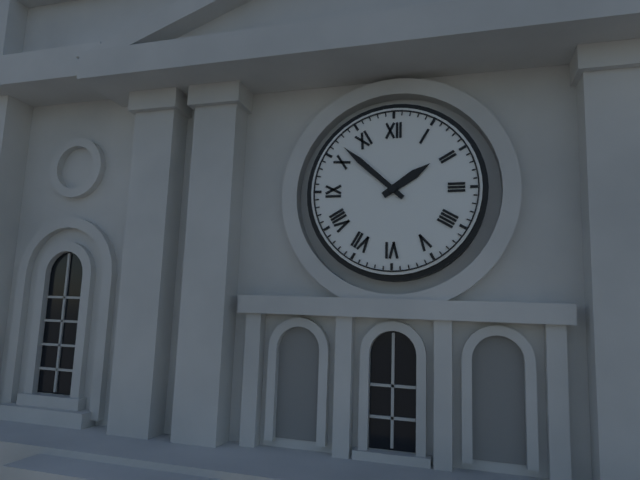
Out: h=1 m=52
